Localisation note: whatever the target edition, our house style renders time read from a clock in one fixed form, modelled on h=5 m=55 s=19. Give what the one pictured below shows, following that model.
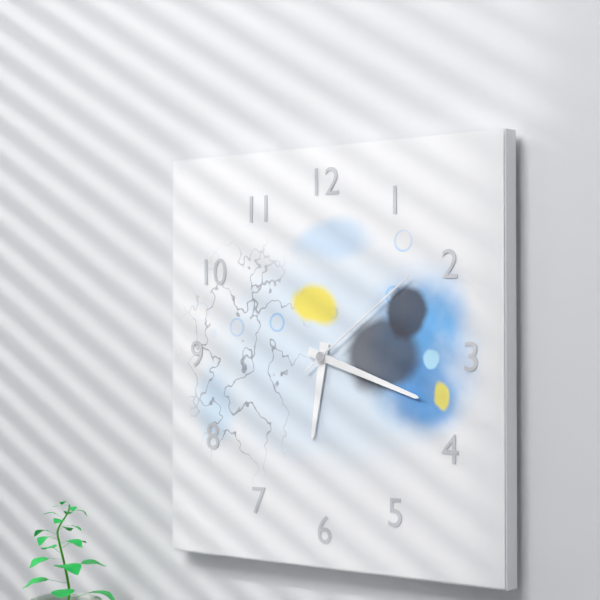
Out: h=6 m=18 s=9
